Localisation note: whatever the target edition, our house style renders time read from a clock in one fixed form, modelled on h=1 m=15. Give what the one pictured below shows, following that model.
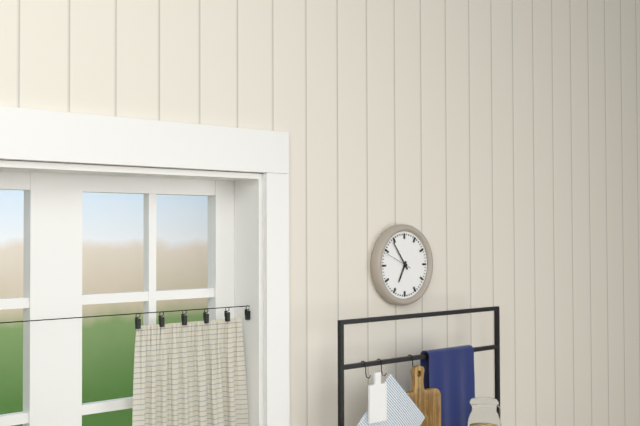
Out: h=6 m=54
